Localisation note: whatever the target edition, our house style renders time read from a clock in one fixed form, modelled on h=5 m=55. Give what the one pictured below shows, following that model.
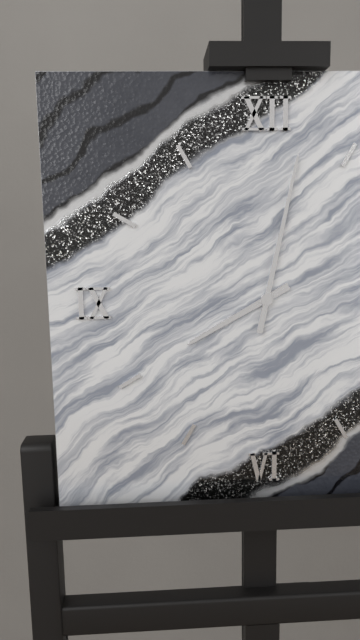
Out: h=8 m=2
